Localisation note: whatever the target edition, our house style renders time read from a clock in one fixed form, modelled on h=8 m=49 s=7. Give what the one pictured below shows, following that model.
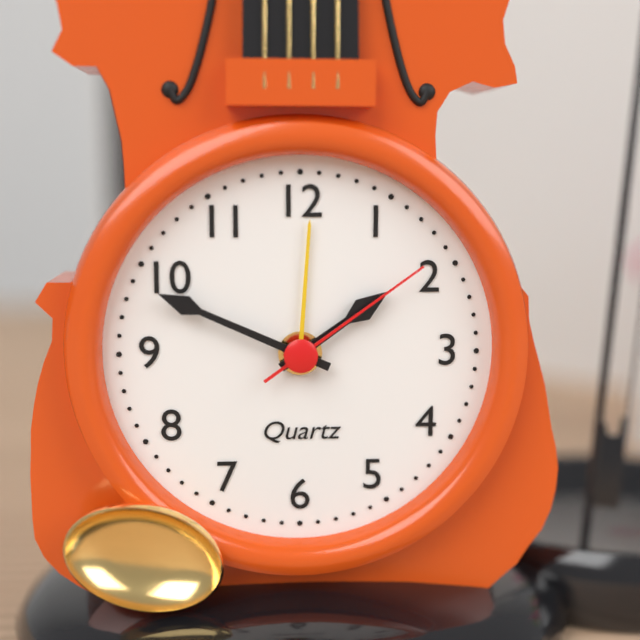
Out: h=1 m=49 s=9
